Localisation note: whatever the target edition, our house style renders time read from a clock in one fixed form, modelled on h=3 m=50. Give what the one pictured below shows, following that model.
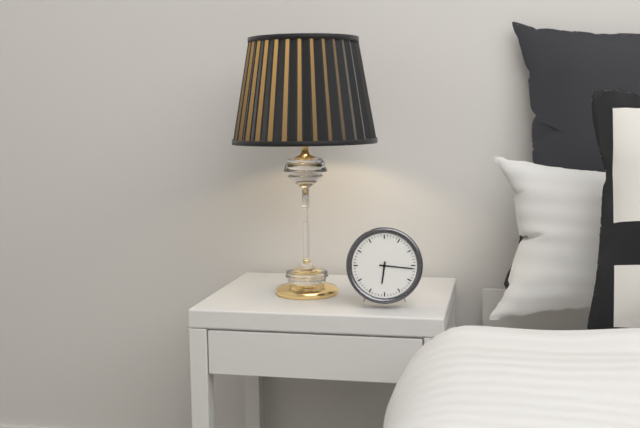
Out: h=6 m=16
